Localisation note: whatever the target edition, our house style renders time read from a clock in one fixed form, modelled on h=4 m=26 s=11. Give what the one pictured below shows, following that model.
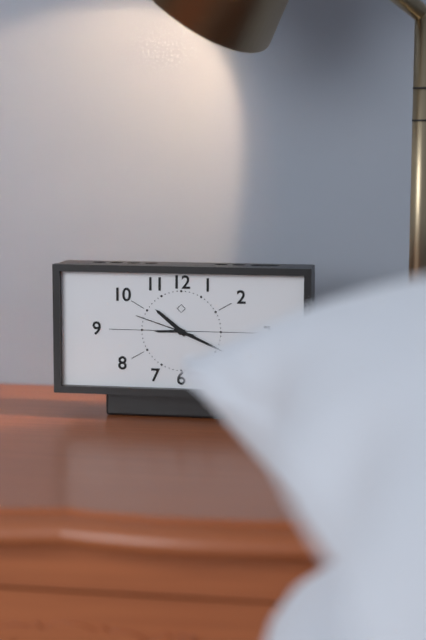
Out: h=10 m=19 s=48
